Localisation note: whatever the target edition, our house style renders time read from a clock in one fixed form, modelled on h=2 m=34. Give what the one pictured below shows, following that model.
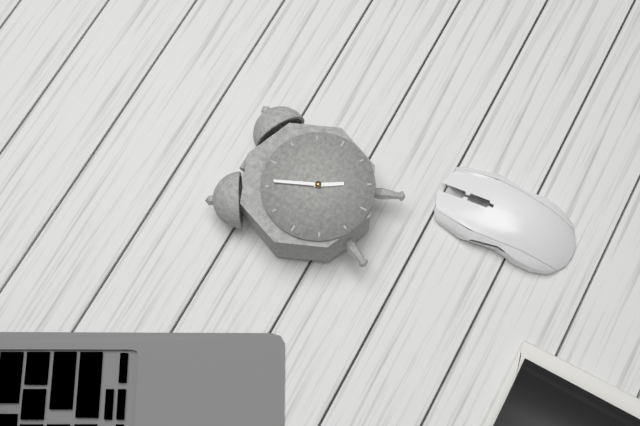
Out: h=4 m=56
